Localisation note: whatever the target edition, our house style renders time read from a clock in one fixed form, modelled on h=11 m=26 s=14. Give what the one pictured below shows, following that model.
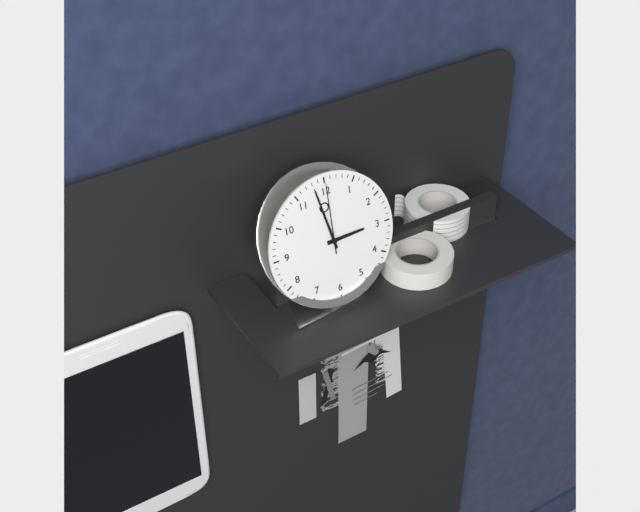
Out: h=2 m=58 s=0
